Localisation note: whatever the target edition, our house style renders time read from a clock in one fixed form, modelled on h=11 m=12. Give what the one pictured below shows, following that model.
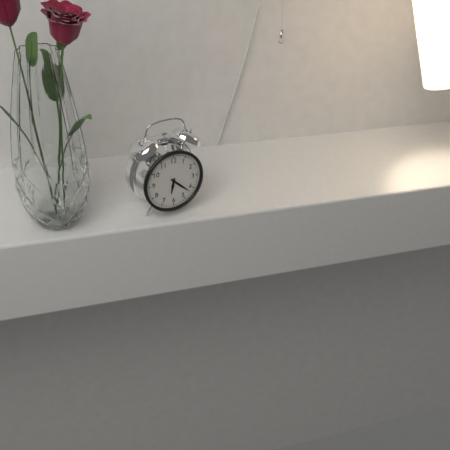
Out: h=6 m=22
